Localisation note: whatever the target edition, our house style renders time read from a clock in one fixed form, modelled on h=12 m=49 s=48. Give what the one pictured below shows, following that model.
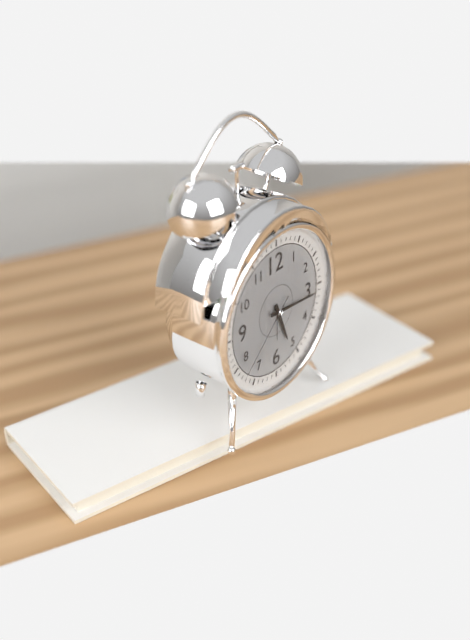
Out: h=5 m=16 s=38
